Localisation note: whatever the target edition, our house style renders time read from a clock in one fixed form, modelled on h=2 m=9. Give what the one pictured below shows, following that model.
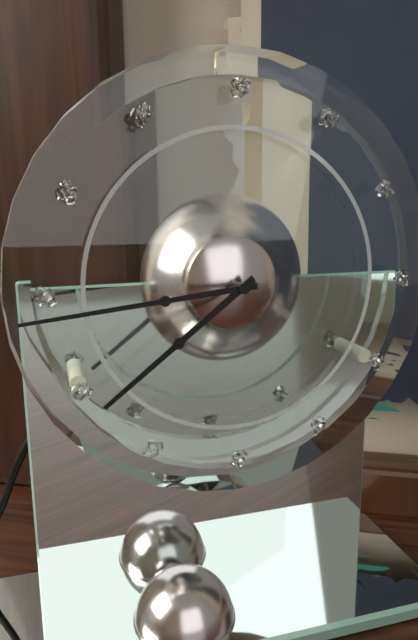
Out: h=7 m=44
